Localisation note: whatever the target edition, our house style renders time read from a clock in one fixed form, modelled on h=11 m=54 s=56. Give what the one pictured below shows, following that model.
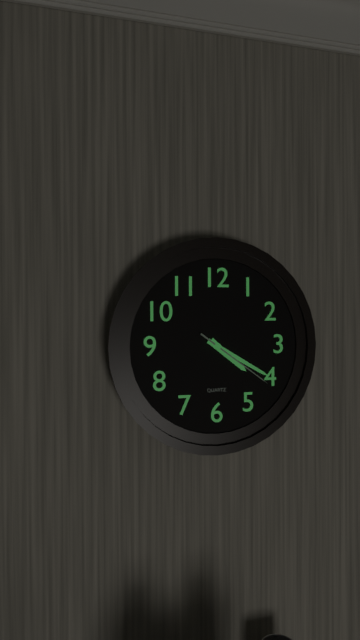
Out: h=4 m=20 s=21
